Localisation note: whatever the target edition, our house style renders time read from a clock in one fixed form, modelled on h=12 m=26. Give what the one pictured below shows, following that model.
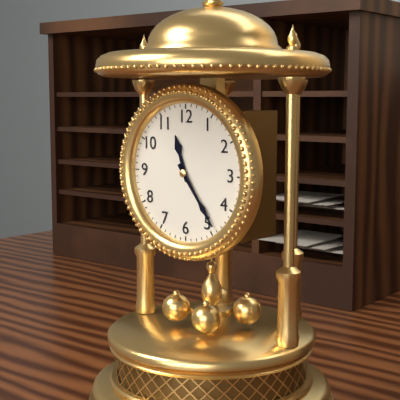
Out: h=11 m=24
